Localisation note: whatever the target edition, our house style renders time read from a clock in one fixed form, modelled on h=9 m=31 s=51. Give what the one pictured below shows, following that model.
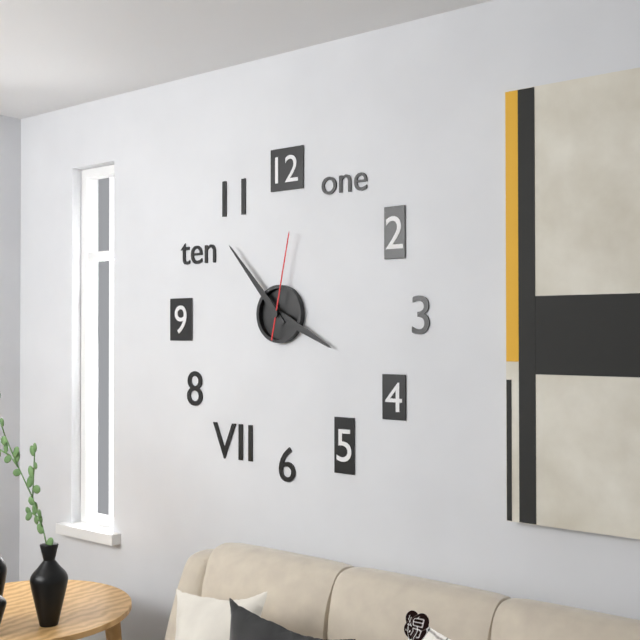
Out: h=3 m=53 s=2
